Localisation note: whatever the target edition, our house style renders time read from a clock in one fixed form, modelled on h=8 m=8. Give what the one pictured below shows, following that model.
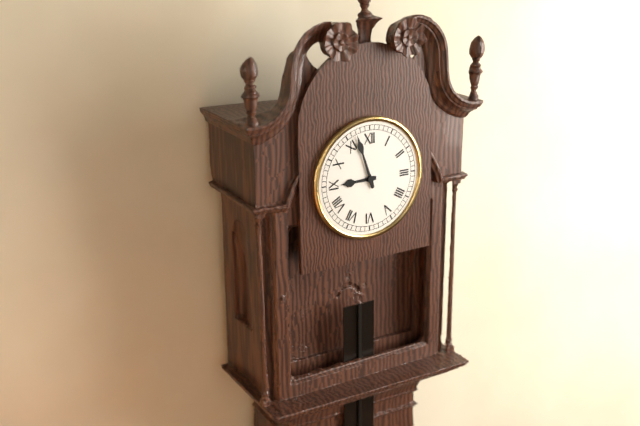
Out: h=8 m=57
